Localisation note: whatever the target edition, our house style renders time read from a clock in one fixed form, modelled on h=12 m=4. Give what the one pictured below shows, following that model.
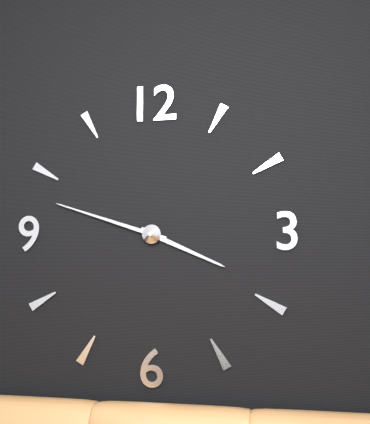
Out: h=3 m=48
